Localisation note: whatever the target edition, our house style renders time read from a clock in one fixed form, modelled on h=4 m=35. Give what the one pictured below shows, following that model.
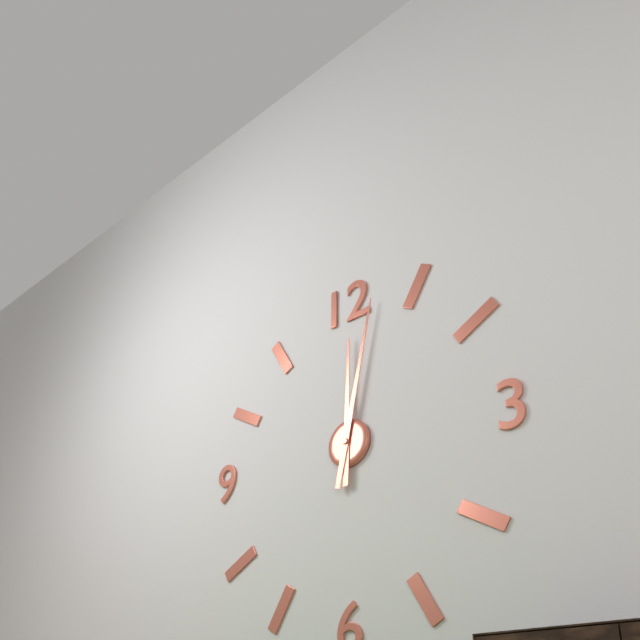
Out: h=12 m=2
